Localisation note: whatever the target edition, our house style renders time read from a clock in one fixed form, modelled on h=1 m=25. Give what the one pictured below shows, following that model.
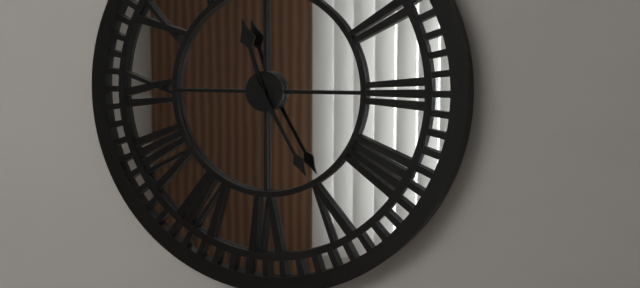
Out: h=11 m=25
